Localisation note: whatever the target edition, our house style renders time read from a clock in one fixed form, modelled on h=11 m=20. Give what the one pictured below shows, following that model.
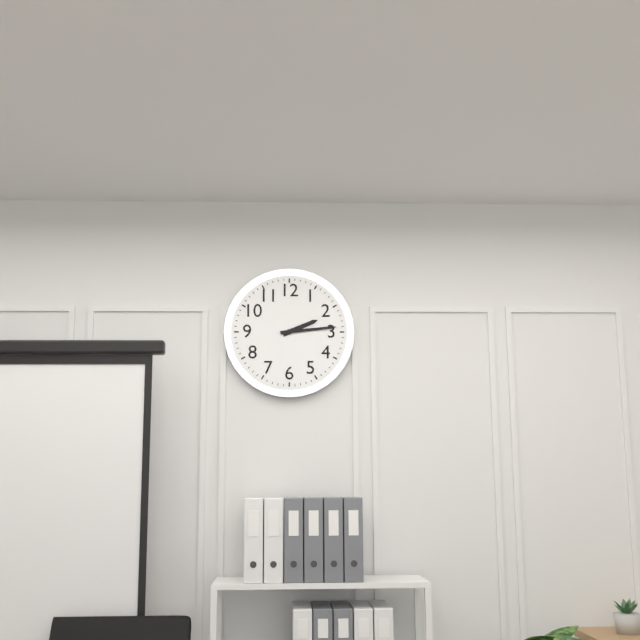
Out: h=2 m=14
